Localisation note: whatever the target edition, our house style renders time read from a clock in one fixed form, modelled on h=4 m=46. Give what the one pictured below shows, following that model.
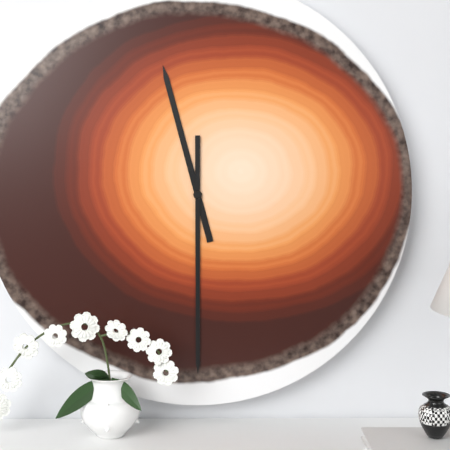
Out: h=11 m=30
